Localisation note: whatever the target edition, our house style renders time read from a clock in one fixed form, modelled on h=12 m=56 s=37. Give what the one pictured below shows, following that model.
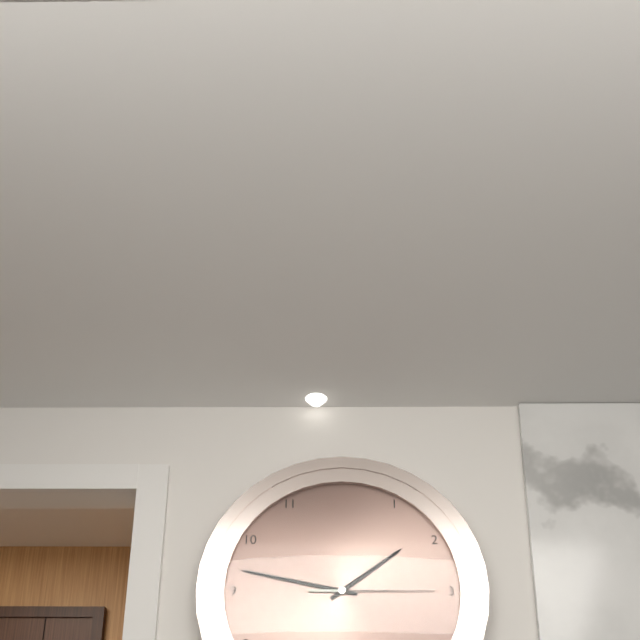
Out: h=1 m=47 s=15
